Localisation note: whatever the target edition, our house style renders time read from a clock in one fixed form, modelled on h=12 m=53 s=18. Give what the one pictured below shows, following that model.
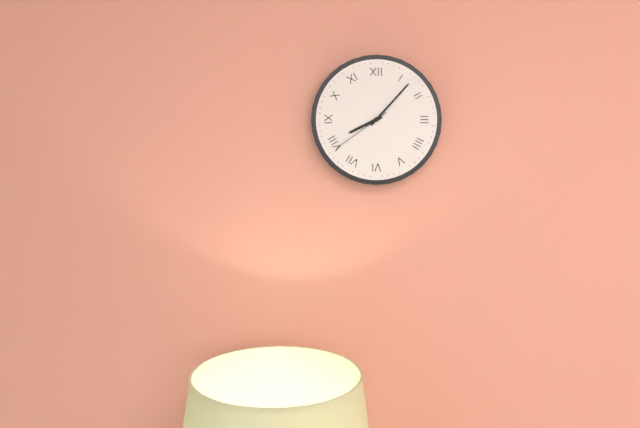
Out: h=8 m=7 s=39
